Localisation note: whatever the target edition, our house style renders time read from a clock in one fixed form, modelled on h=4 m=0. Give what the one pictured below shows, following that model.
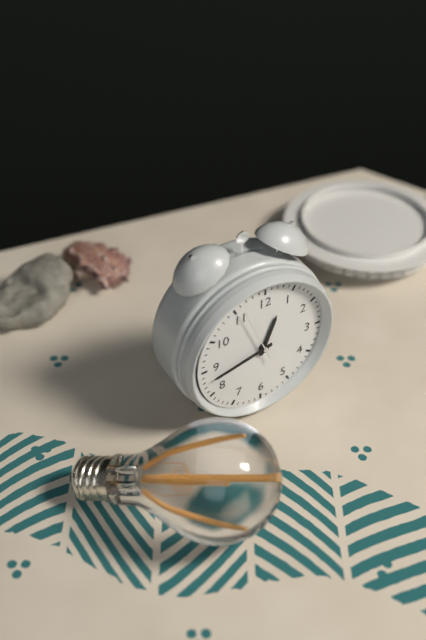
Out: h=12 m=43
